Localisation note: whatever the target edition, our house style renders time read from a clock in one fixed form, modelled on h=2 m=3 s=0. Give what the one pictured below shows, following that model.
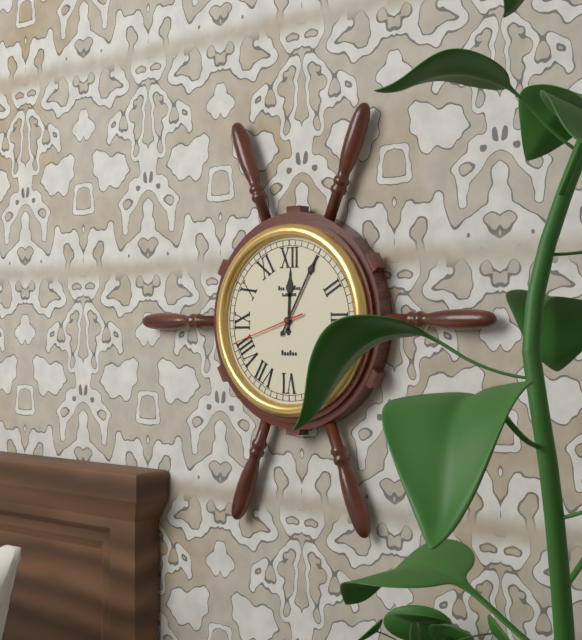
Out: h=12 m=5 s=42
